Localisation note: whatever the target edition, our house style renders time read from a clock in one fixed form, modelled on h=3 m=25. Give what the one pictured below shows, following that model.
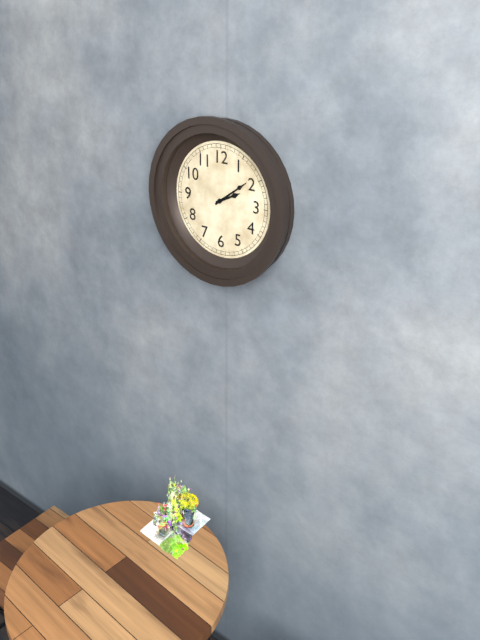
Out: h=2 m=9
